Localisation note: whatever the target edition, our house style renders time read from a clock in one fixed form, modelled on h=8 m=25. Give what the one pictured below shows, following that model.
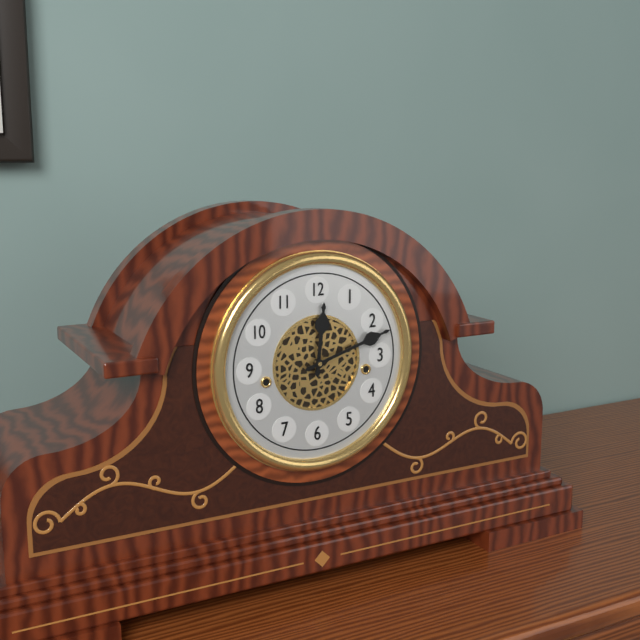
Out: h=12 m=12
